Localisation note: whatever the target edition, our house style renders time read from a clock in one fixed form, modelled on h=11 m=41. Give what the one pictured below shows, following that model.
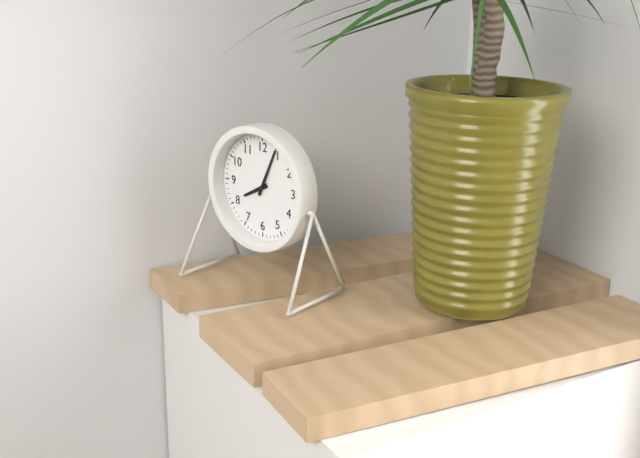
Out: h=8 m=4
